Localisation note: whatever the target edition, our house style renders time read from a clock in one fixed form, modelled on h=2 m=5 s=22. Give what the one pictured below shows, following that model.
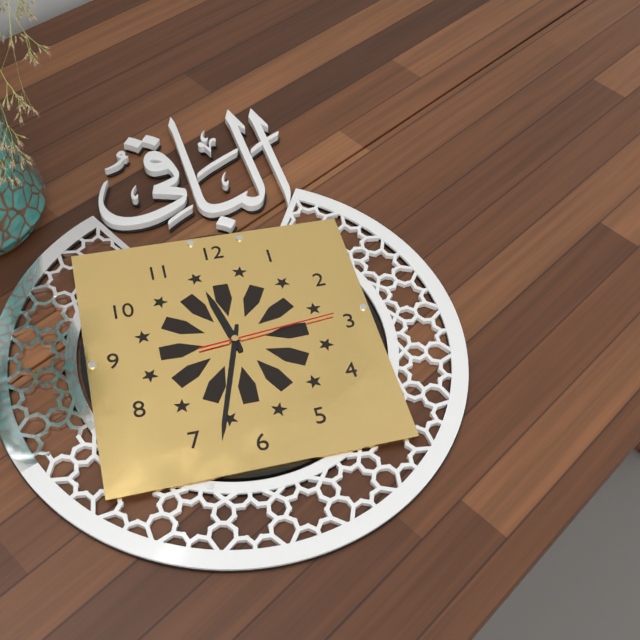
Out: h=11 m=33 s=14
